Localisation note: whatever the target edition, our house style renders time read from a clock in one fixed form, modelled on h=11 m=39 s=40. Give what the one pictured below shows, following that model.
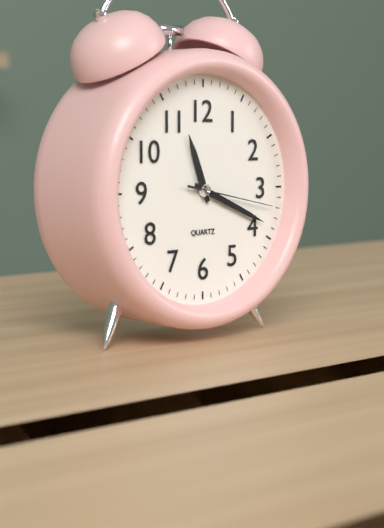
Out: h=11 m=19 s=17
